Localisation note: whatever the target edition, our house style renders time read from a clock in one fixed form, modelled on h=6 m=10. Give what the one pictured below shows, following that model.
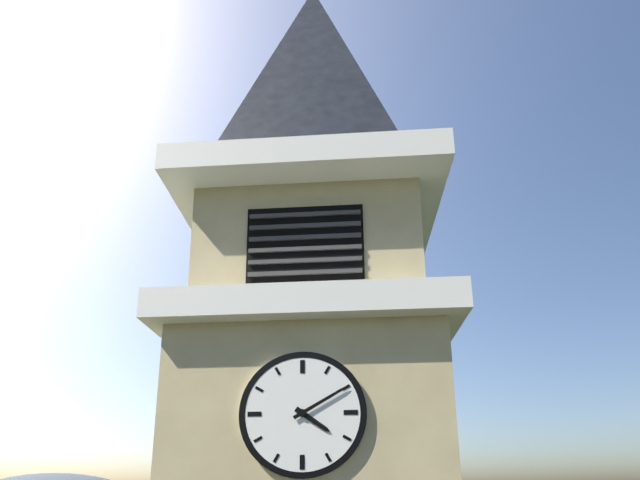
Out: h=4 m=10
